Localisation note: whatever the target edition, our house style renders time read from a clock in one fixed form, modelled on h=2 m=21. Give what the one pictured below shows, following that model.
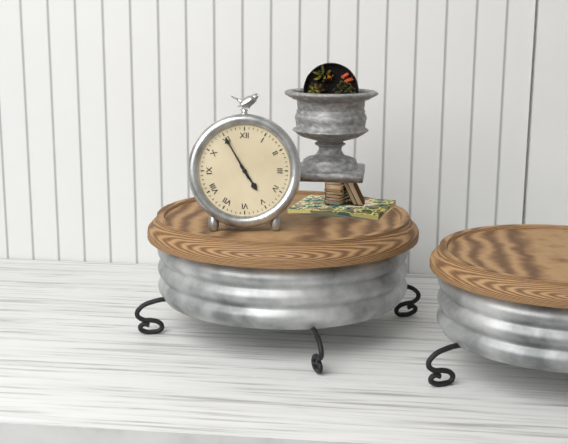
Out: h=4 m=55
